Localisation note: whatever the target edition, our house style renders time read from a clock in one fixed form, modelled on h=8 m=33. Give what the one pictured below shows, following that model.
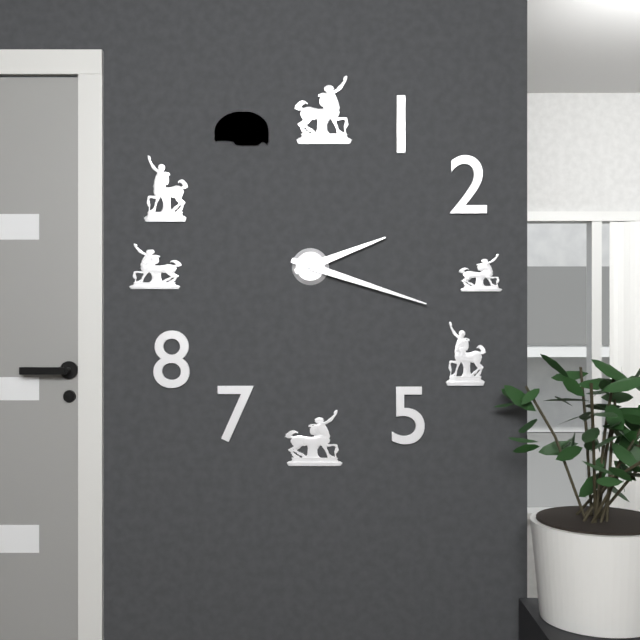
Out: h=2 m=18
